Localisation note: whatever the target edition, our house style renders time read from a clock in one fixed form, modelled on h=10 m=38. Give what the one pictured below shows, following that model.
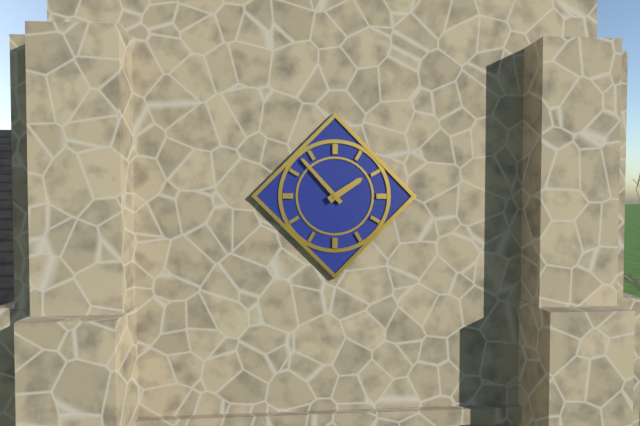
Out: h=1 m=53
